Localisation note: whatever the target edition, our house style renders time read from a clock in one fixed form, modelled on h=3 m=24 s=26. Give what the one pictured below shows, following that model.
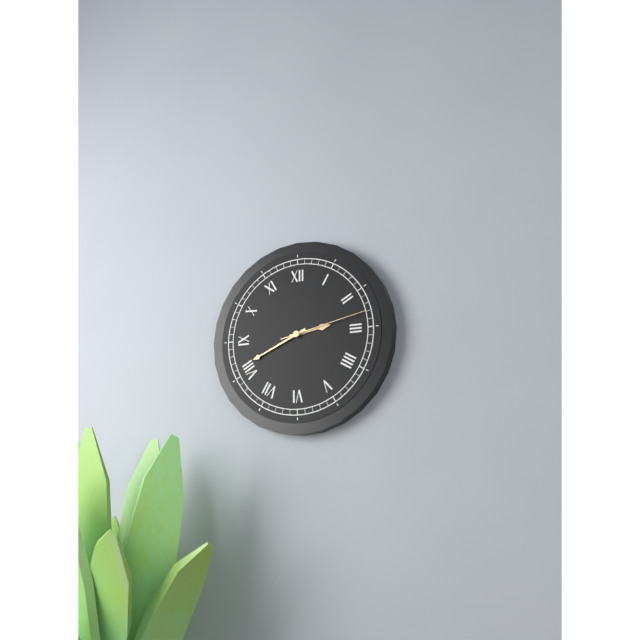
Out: h=2 m=41 s=13
